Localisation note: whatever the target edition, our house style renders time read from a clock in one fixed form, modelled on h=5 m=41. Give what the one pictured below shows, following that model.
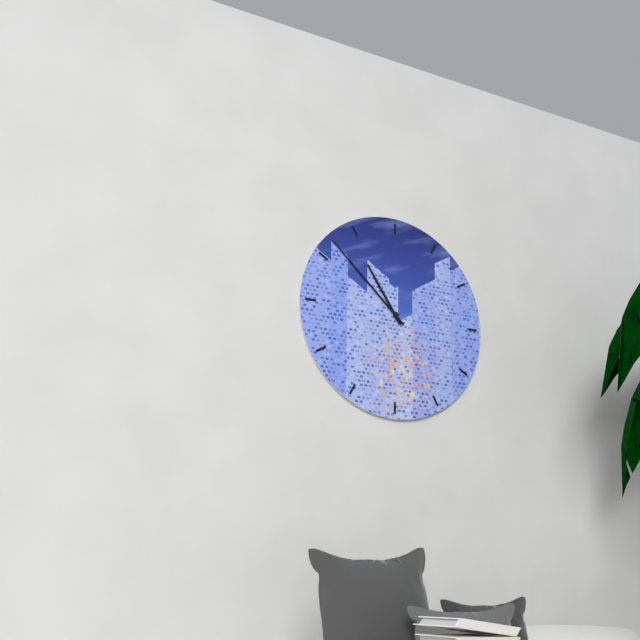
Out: h=10 m=52
